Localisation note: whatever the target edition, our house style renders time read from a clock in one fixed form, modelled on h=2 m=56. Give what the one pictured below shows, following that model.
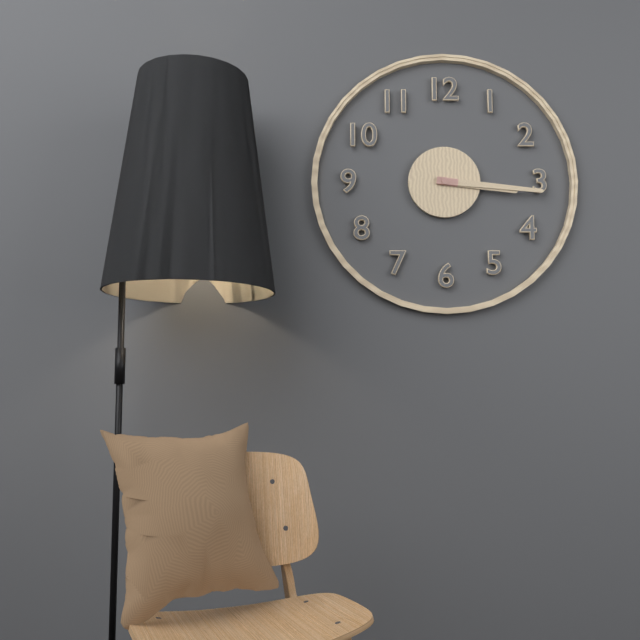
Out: h=3 m=16
